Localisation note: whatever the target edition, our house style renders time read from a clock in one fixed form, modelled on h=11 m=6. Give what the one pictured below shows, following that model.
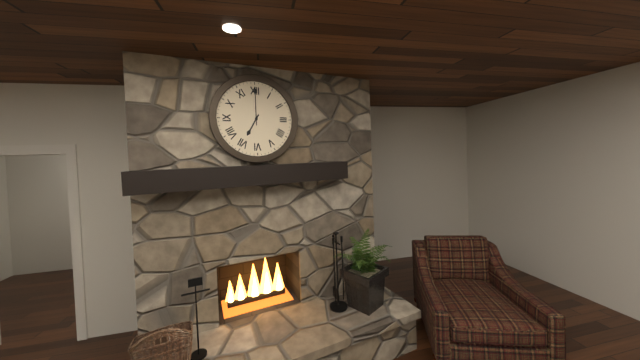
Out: h=7 m=0
